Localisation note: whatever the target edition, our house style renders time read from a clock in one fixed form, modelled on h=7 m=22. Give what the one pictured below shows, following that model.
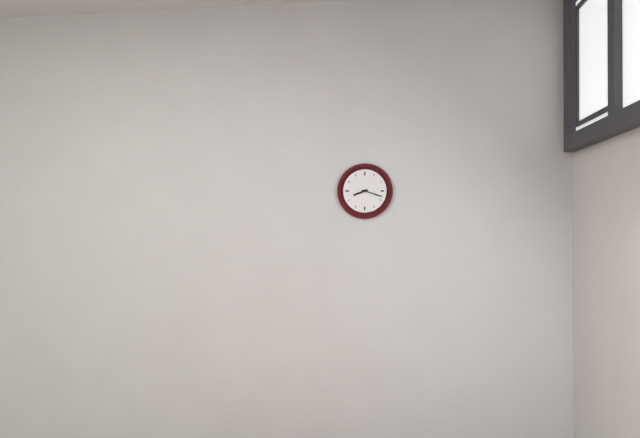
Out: h=8 m=18
